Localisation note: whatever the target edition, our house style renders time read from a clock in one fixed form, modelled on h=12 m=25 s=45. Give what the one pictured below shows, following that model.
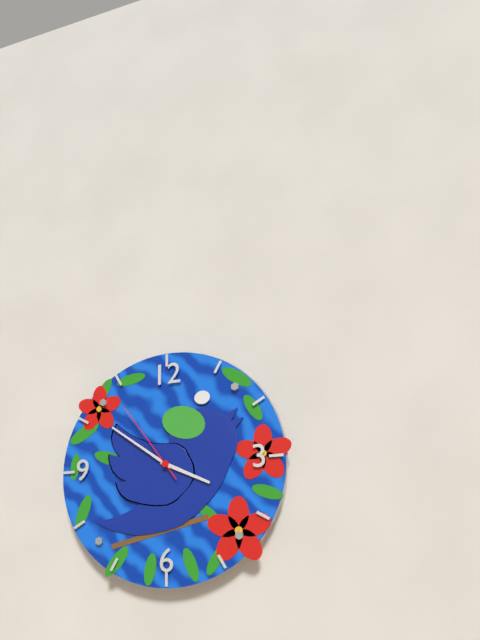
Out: h=3 m=51 s=54
